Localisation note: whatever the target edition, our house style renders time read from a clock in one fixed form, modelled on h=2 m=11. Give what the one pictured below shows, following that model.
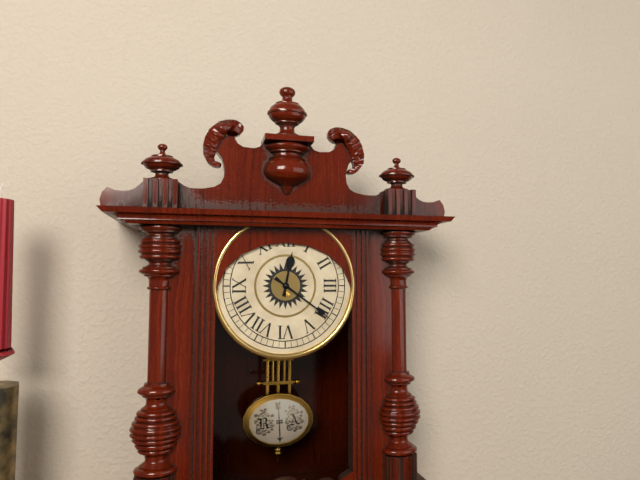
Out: h=12 m=21
